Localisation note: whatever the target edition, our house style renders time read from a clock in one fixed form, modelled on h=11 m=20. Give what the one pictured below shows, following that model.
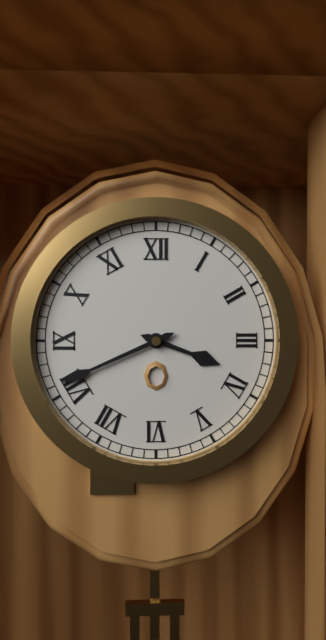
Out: h=3 m=41
